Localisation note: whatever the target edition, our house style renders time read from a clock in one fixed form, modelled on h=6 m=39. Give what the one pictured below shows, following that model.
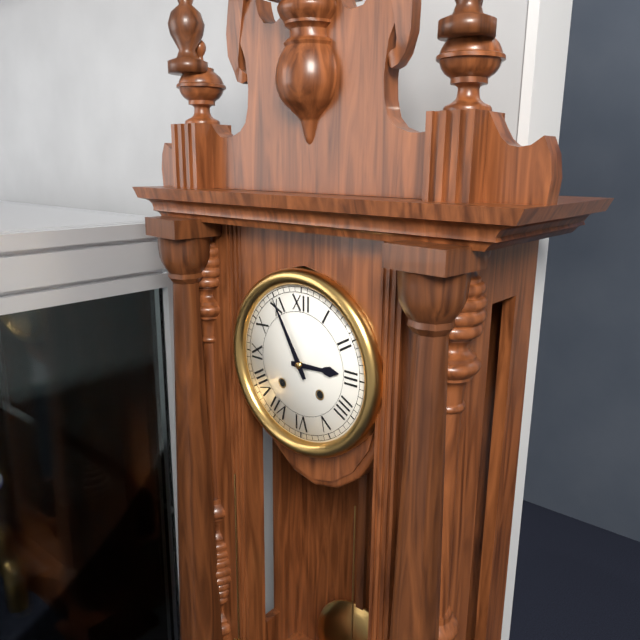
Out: h=2 m=55
